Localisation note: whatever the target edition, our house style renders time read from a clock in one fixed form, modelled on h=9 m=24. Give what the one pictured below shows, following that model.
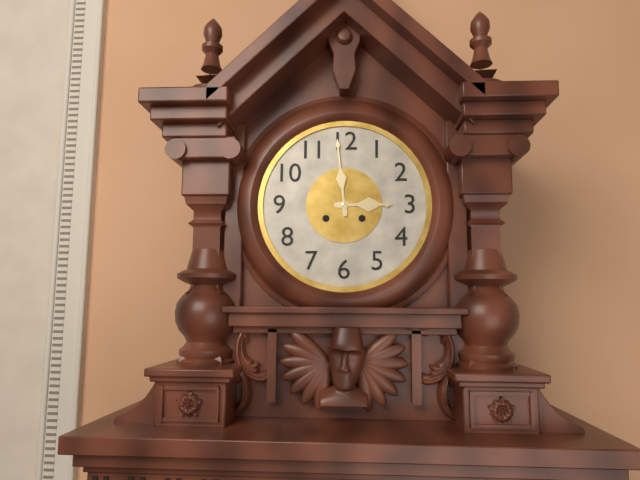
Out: h=2 m=59
